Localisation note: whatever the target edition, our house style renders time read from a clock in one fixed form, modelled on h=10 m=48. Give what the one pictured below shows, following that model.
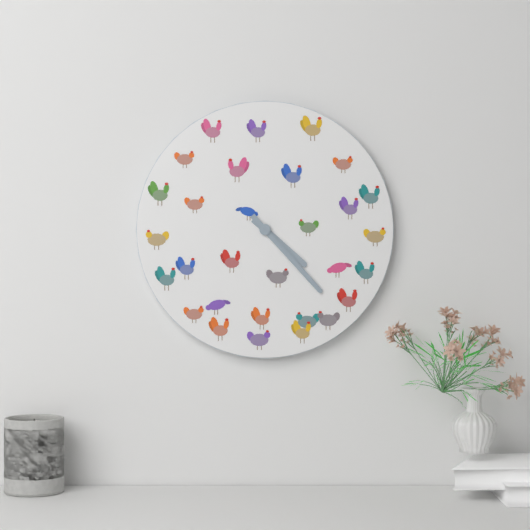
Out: h=4 m=23
